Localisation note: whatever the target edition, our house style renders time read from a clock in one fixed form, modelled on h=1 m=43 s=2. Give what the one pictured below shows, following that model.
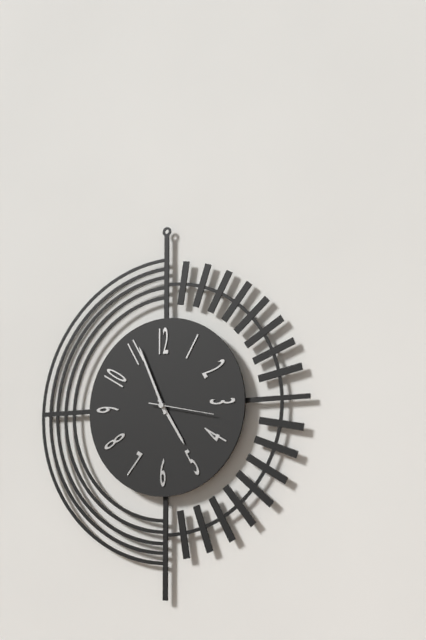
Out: h=4 m=56 s=17
